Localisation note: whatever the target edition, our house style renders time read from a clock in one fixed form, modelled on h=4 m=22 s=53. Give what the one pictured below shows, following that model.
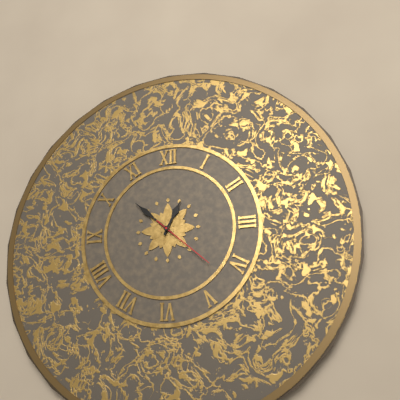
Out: h=12 m=52 s=22
